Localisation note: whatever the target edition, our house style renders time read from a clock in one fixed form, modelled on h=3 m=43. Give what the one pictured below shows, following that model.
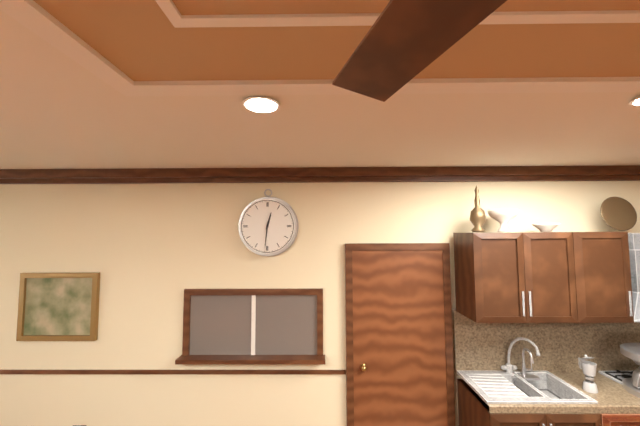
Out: h=12 m=31
